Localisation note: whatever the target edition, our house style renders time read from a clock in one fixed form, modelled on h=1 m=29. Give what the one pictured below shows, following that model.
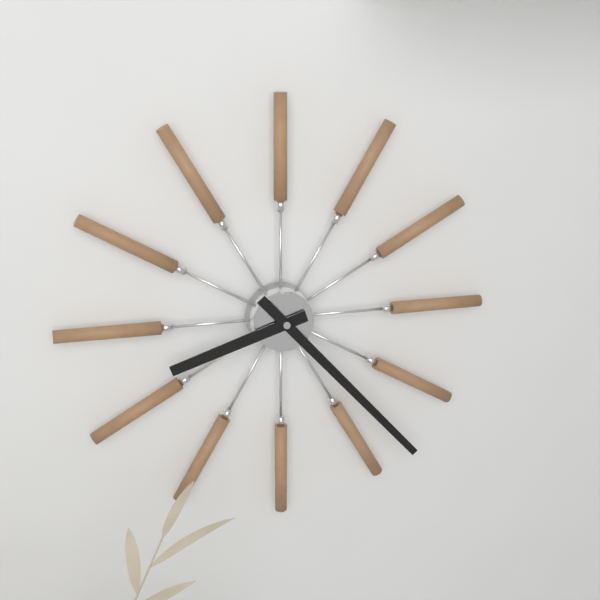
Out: h=8 m=23
